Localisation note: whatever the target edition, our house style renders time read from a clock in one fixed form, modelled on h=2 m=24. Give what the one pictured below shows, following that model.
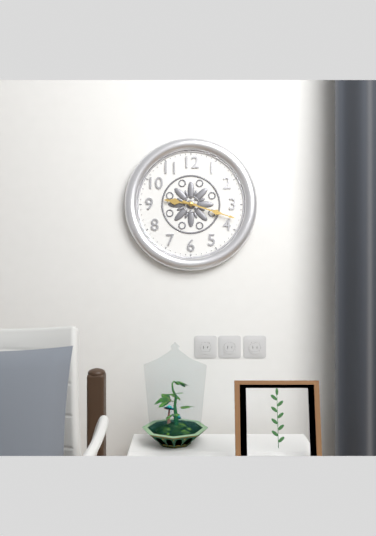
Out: h=9 m=18
